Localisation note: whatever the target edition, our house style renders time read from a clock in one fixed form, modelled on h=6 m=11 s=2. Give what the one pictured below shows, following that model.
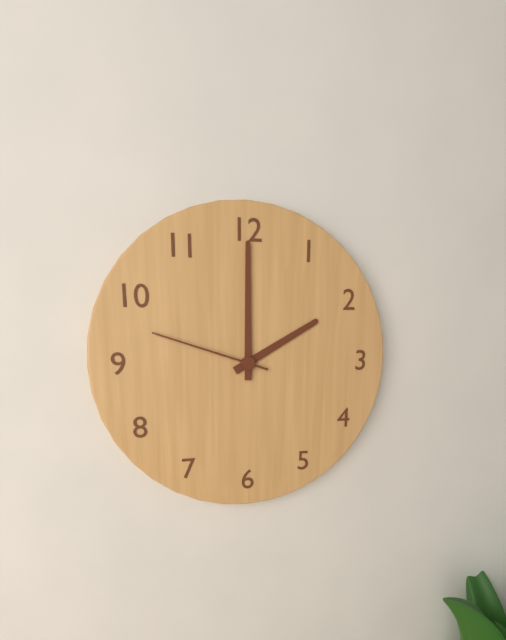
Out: h=2 m=0 s=48
